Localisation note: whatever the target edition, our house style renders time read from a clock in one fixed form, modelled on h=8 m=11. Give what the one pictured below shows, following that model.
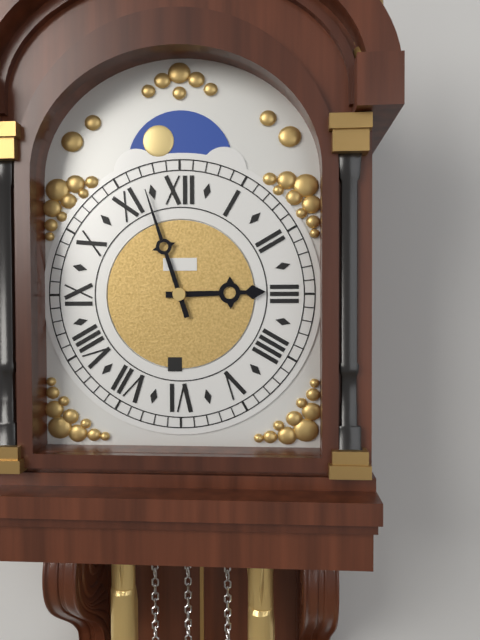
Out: h=2 m=57
